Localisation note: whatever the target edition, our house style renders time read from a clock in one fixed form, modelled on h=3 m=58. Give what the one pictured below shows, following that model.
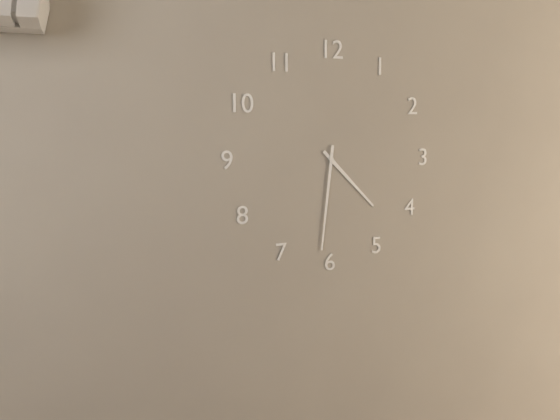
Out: h=4 m=31
